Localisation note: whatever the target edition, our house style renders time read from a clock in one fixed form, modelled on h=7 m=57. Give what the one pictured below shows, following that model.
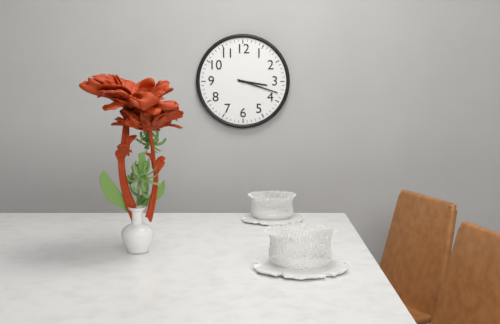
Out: h=3 m=18
